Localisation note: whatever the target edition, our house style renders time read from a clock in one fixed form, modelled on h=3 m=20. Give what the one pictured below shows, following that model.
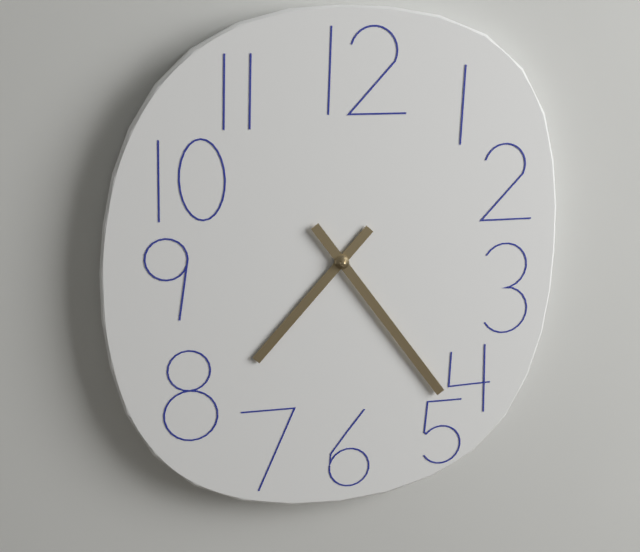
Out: h=7 m=24
